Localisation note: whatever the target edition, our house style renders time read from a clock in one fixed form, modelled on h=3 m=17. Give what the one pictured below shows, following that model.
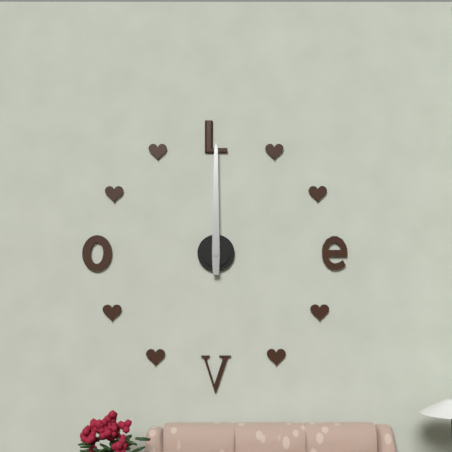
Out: h=12 m=0
